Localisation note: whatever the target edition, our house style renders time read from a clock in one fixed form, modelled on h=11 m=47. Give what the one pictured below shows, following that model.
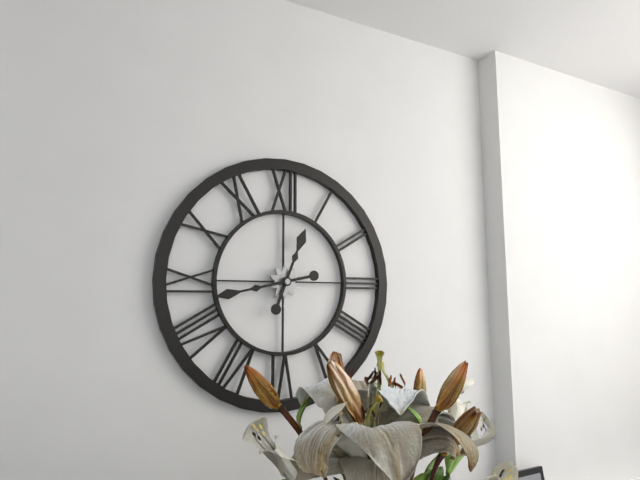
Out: h=12 m=43
